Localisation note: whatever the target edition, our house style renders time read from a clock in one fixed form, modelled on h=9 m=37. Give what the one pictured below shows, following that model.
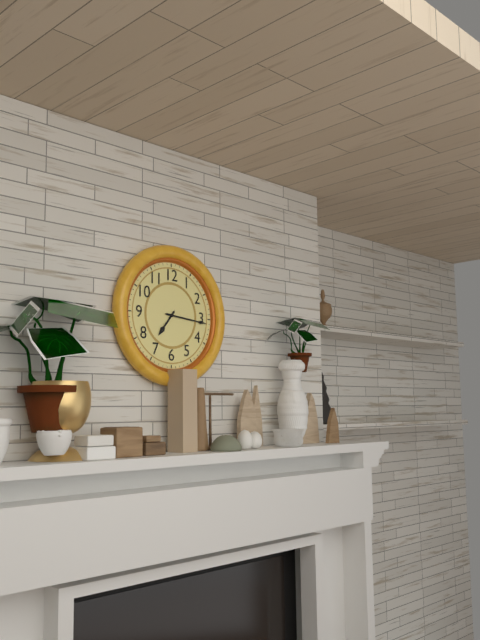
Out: h=7 m=16
